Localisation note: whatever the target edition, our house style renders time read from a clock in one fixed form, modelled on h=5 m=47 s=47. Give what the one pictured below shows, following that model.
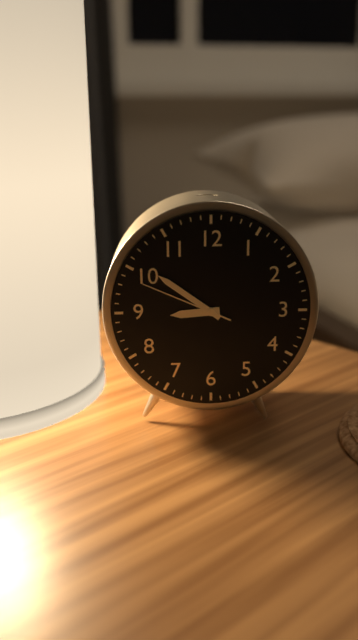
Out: h=8 m=51 s=49
